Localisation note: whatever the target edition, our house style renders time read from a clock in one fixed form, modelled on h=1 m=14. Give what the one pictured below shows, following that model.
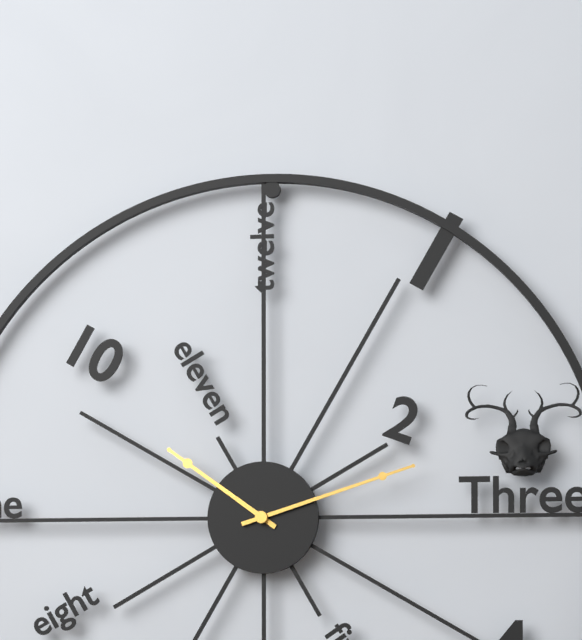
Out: h=10 m=12
